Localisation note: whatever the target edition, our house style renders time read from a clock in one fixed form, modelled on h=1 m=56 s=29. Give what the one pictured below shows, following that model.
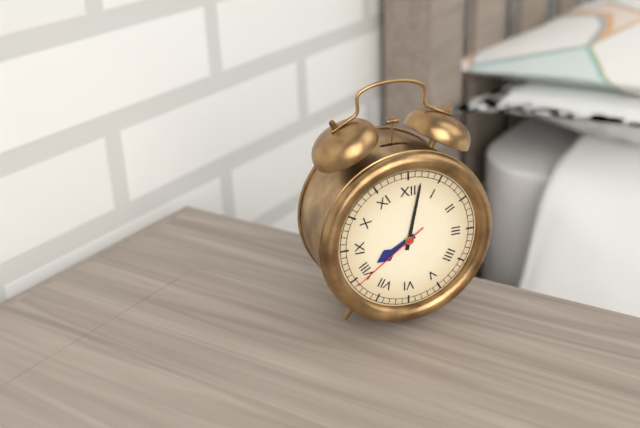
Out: h=8 m=2 s=39
